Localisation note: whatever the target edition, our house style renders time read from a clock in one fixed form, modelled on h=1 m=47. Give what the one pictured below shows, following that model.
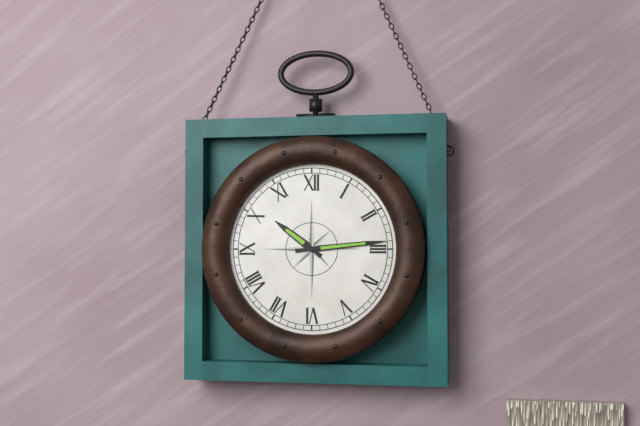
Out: h=10 m=14
